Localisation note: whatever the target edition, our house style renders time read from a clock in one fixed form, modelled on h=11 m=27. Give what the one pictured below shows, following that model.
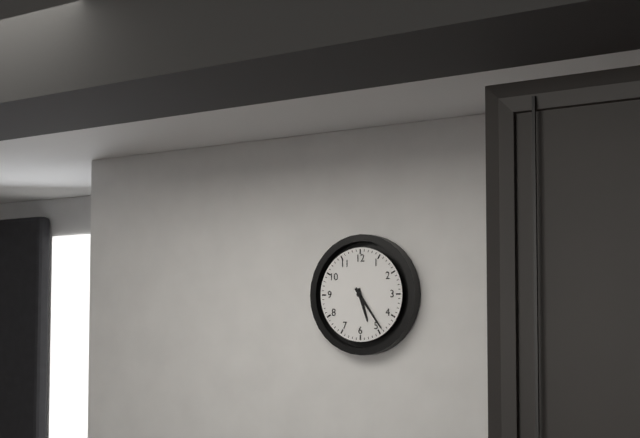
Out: h=5 m=24
